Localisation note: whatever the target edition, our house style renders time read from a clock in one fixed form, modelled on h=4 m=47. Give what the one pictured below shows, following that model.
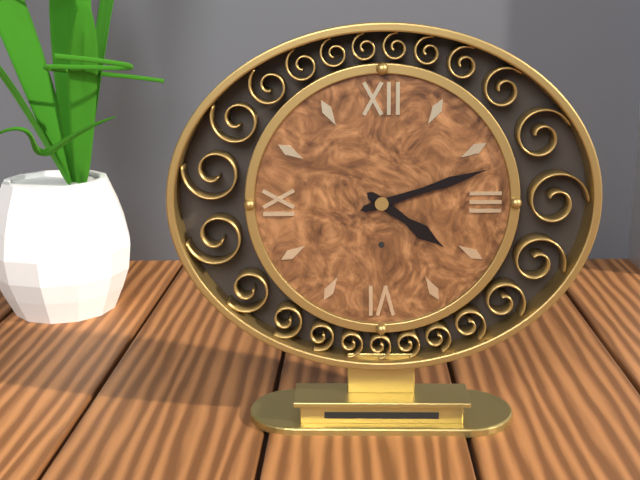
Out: h=4 m=12
